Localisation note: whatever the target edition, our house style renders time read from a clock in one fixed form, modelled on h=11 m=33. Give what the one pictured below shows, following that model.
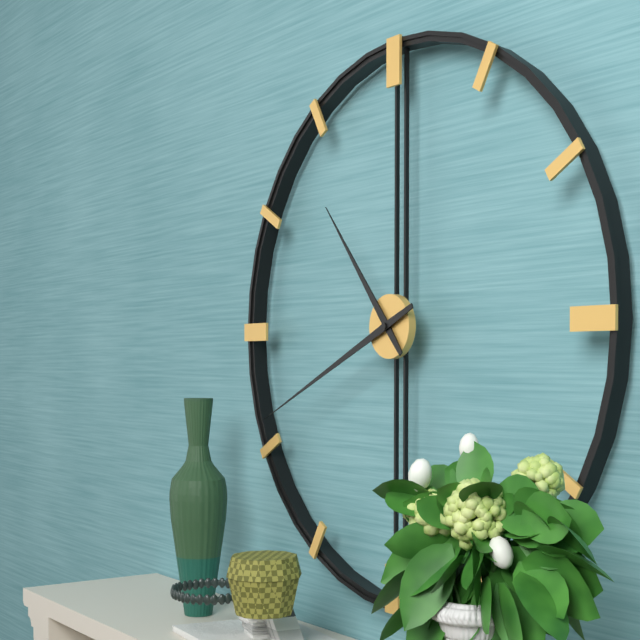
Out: h=10 m=41
